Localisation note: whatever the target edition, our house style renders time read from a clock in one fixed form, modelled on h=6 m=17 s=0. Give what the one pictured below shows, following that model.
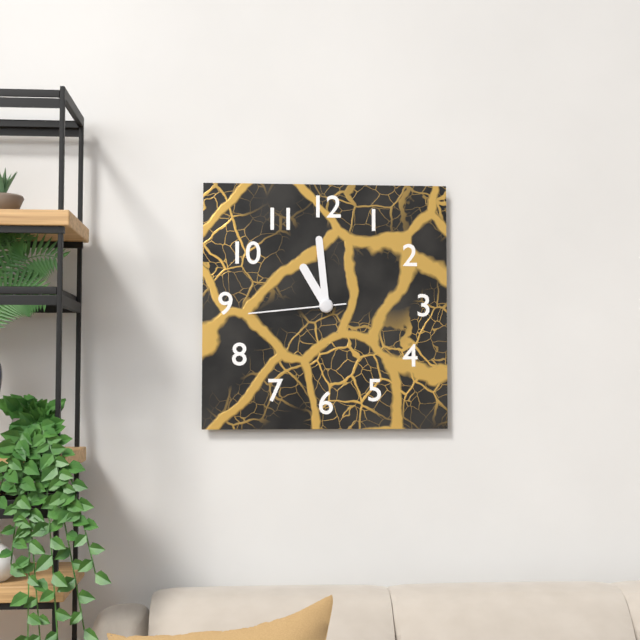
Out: h=10 m=59 s=44
